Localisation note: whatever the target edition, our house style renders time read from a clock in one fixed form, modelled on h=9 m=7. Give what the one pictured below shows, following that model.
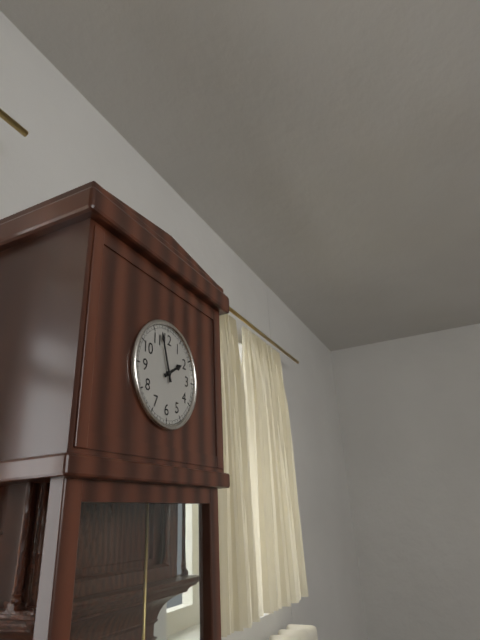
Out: h=1 m=57
